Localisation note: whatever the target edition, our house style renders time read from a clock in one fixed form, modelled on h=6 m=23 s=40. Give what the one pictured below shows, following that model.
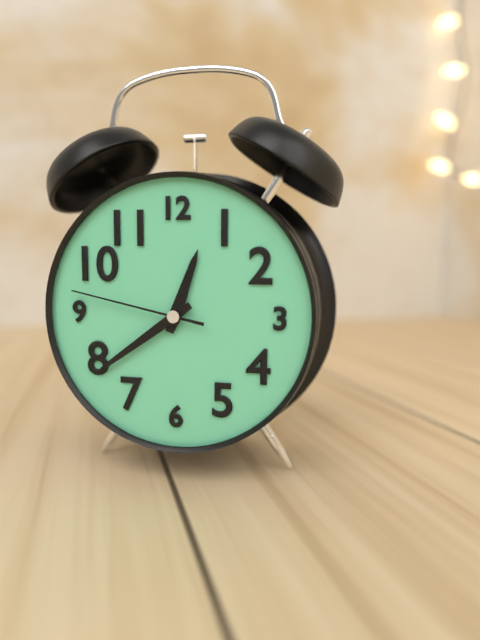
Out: h=12 m=39 s=47
